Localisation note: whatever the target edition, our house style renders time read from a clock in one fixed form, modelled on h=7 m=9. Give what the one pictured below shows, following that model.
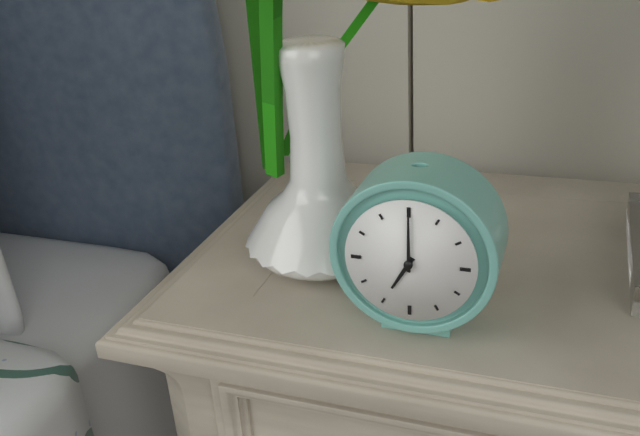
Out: h=7 m=0
